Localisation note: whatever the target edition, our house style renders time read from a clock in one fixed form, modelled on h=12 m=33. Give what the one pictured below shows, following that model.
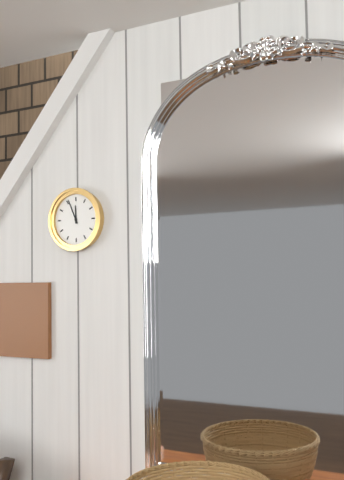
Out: h=11 m=56
